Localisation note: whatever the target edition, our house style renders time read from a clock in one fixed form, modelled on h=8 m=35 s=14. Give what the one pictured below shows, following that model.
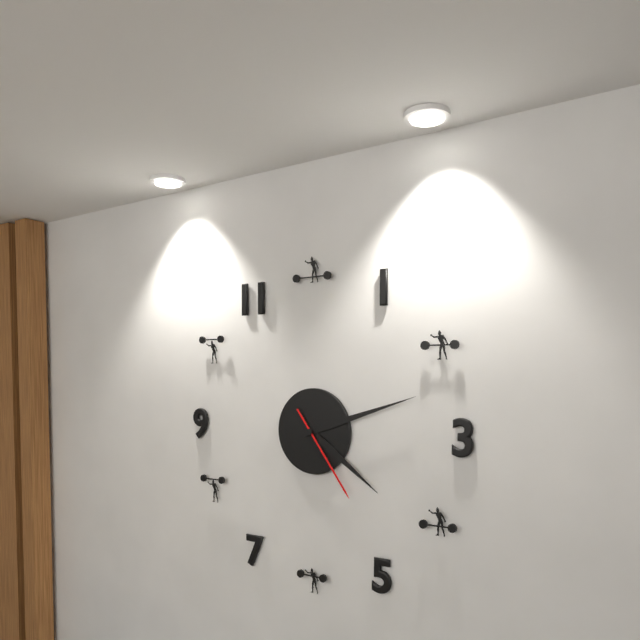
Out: h=4 m=12 s=24
